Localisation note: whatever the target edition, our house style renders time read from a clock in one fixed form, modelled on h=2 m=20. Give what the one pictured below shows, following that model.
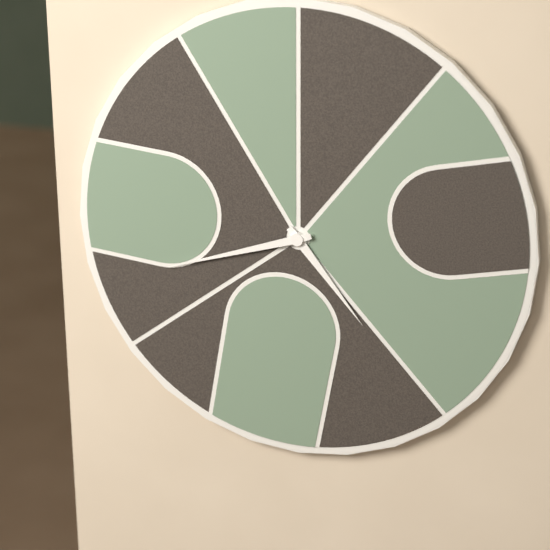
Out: h=4 m=42
